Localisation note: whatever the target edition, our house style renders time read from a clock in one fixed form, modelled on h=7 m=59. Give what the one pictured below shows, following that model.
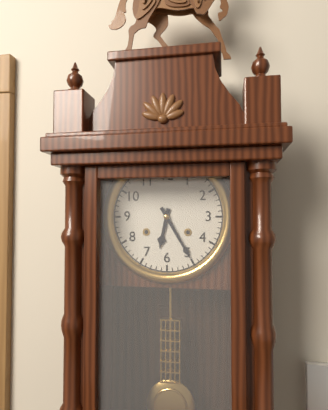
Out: h=6 m=25
